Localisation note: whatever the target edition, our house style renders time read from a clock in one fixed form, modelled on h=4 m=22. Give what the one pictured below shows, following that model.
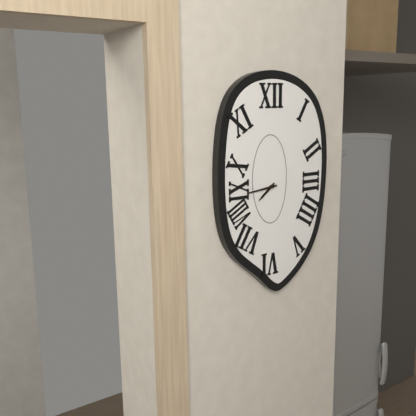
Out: h=7 m=44
